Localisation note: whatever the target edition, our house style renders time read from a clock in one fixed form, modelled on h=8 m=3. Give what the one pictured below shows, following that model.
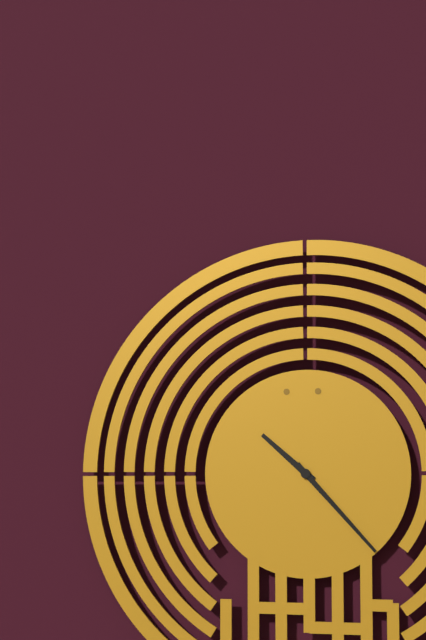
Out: h=10 m=23
